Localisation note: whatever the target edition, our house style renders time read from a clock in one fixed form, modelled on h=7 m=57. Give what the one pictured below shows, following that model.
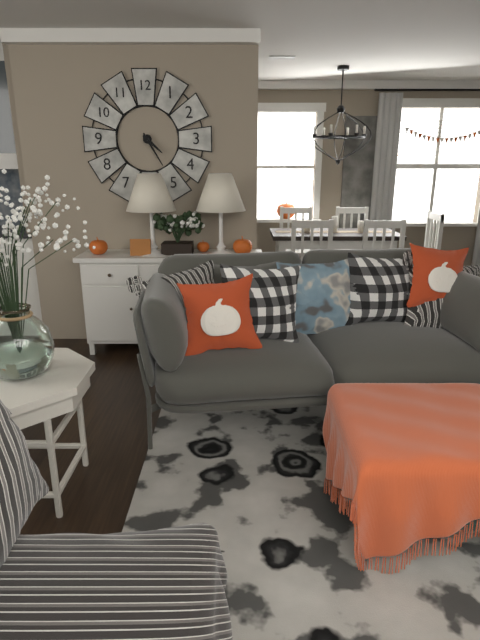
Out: h=4 m=25
